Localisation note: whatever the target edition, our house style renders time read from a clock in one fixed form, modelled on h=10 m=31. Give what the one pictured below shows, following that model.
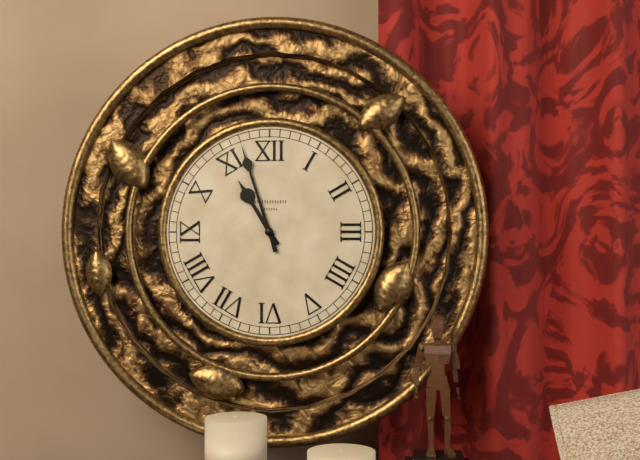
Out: h=10 m=57
